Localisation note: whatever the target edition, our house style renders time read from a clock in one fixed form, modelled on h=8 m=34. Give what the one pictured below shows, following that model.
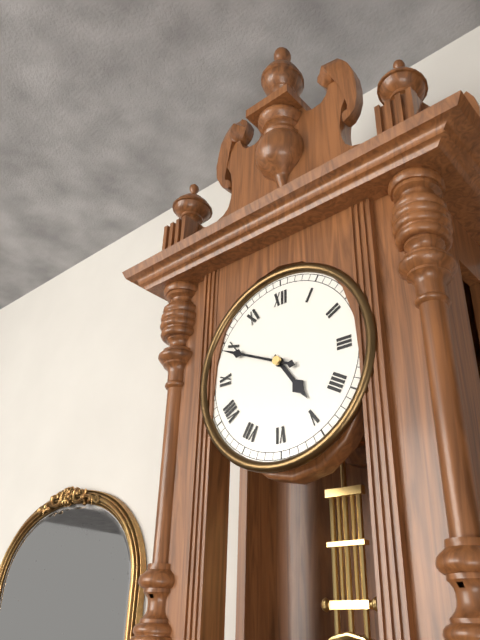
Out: h=4 m=49
